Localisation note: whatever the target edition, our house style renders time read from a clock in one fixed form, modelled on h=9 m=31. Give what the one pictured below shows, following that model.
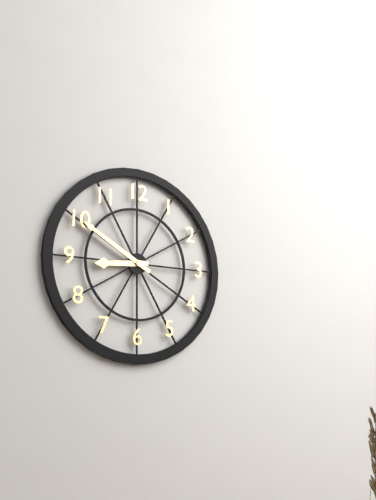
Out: h=8 m=50
